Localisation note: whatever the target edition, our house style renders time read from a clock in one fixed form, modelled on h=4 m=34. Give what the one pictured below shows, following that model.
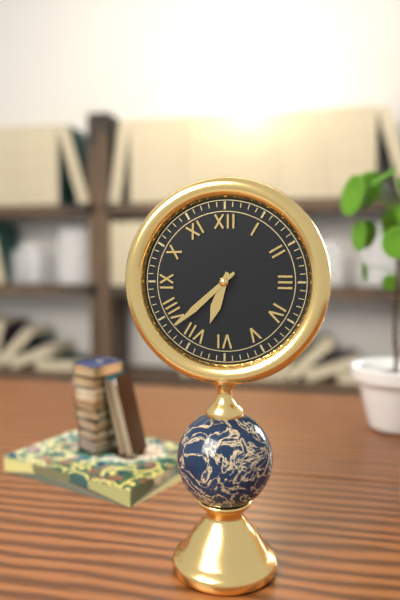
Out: h=6 m=38
